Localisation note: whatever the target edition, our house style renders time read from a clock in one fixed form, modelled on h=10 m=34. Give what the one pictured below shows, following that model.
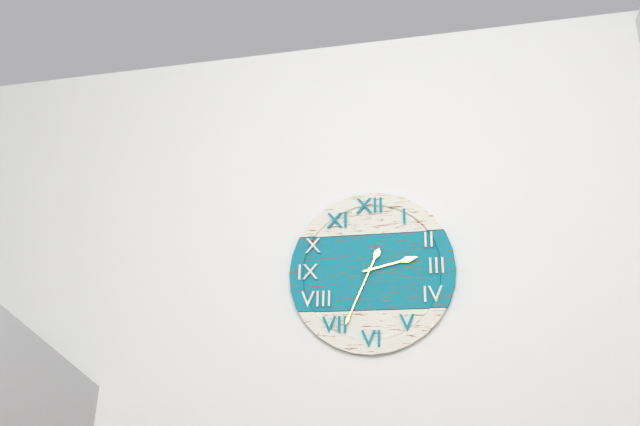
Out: h=2 m=34
